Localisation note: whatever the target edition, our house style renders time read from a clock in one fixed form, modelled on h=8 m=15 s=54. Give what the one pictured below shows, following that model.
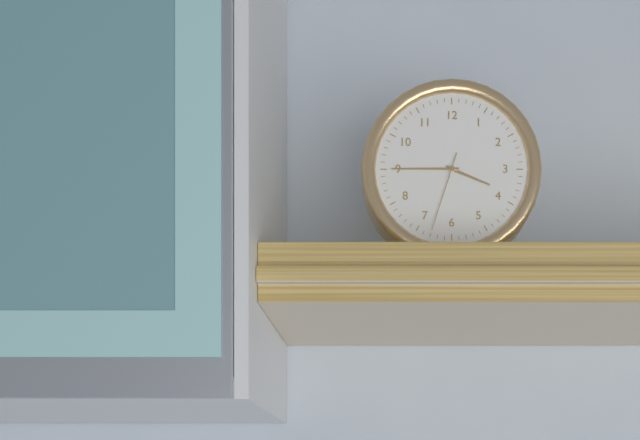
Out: h=3 m=45 s=33
